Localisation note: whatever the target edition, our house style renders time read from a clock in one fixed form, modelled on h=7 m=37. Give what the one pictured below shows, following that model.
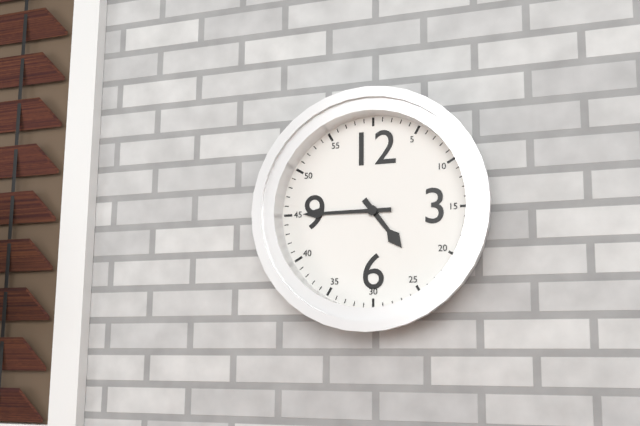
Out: h=4 m=45
